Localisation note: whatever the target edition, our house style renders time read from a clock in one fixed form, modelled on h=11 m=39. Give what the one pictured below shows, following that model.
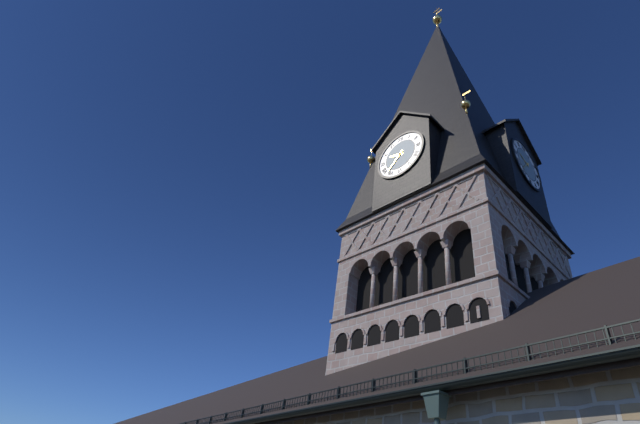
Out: h=9 m=37
